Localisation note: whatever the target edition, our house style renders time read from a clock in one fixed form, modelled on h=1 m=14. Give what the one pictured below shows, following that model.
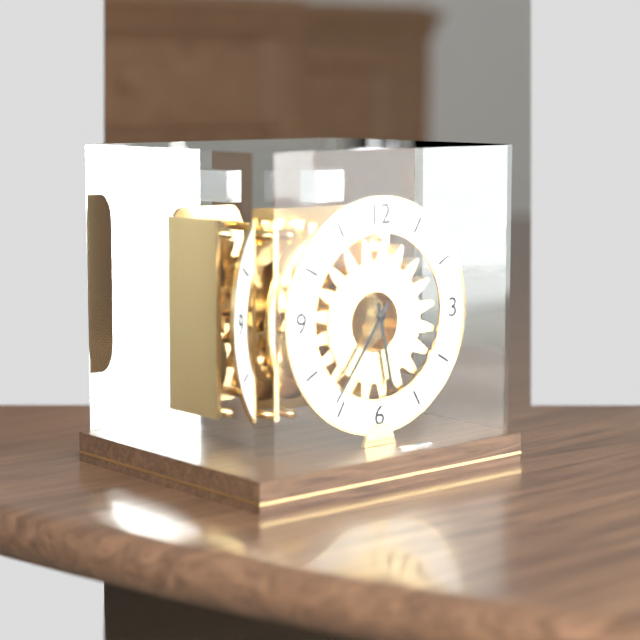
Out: h=5 m=36
